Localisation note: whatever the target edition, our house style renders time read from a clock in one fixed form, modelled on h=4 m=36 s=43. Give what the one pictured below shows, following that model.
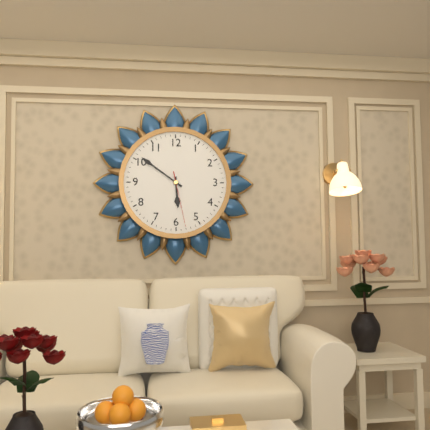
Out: h=5 m=51 s=28
